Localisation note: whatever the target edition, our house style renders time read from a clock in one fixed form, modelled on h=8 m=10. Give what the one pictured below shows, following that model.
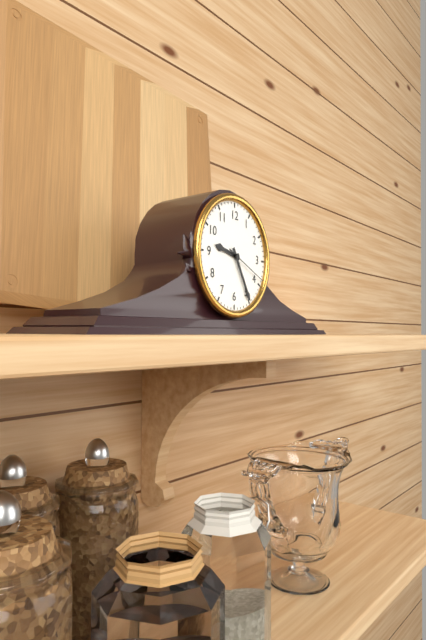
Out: h=9 m=25
